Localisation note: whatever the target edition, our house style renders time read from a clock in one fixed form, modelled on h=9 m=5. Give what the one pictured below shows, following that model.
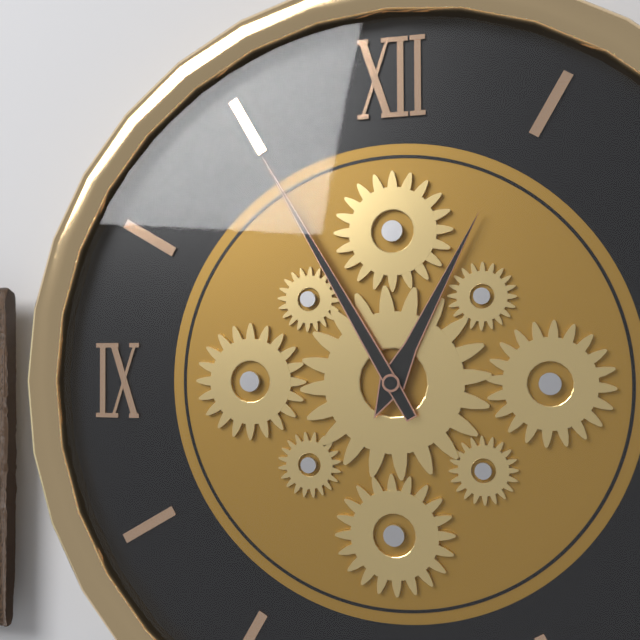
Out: h=12 m=55
